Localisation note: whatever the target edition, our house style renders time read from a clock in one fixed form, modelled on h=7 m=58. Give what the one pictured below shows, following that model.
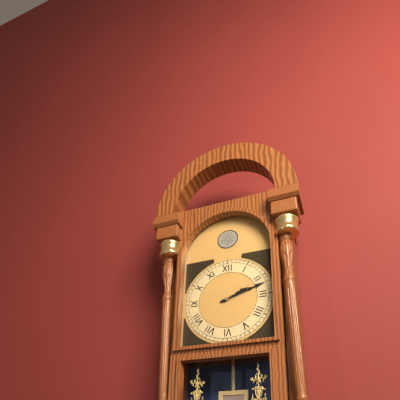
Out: h=2 m=12
